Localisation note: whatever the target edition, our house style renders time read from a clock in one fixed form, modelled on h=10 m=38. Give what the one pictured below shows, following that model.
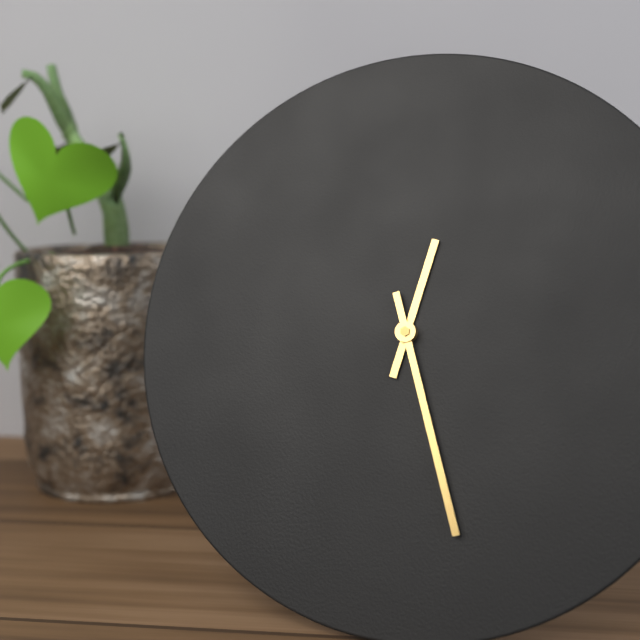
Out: h=12 m=27
